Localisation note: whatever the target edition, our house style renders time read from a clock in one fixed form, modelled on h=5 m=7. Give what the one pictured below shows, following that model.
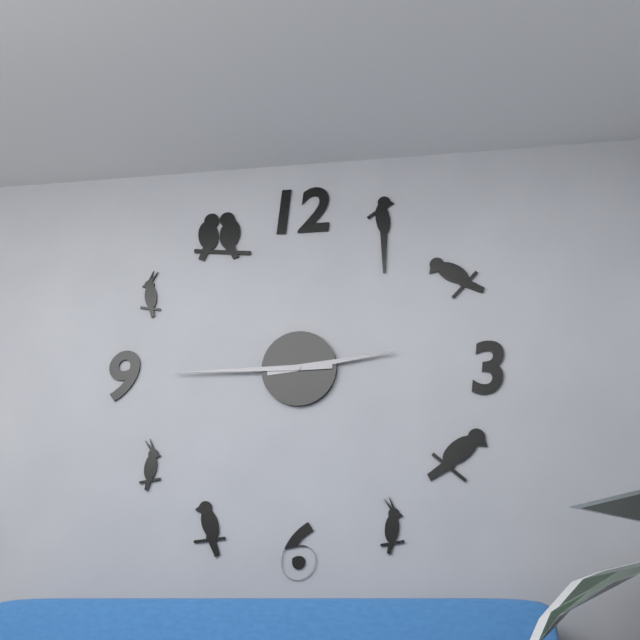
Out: h=2 m=45
